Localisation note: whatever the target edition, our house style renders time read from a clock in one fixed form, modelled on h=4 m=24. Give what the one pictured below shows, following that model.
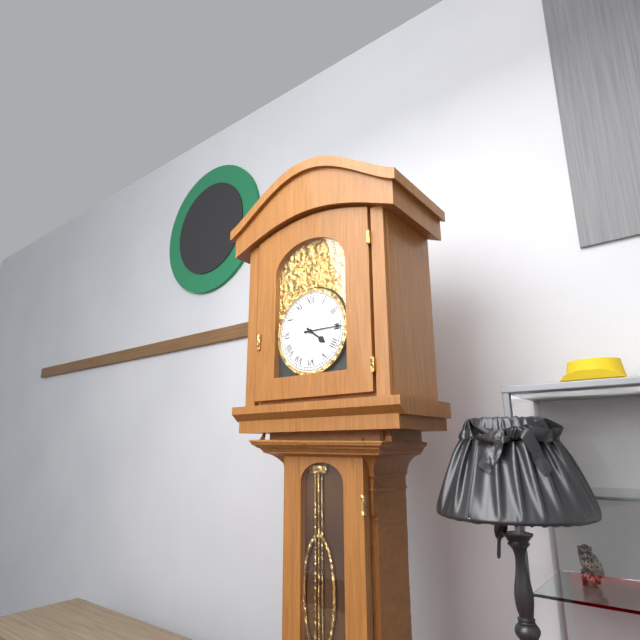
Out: h=4 m=15
